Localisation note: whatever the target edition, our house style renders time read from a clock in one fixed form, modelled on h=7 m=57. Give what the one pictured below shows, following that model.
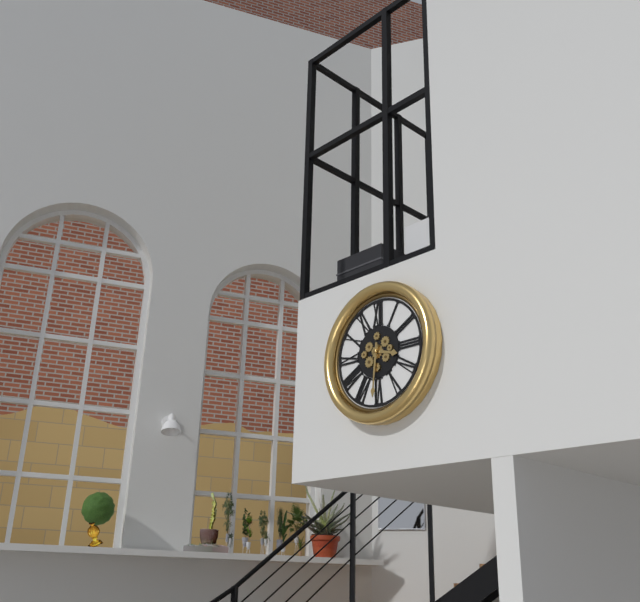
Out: h=3 m=31
